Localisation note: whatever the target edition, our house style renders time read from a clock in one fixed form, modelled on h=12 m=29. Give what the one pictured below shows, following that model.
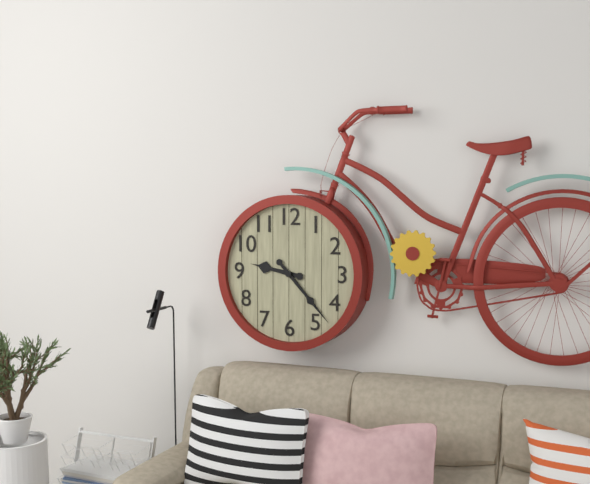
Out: h=9 m=23
